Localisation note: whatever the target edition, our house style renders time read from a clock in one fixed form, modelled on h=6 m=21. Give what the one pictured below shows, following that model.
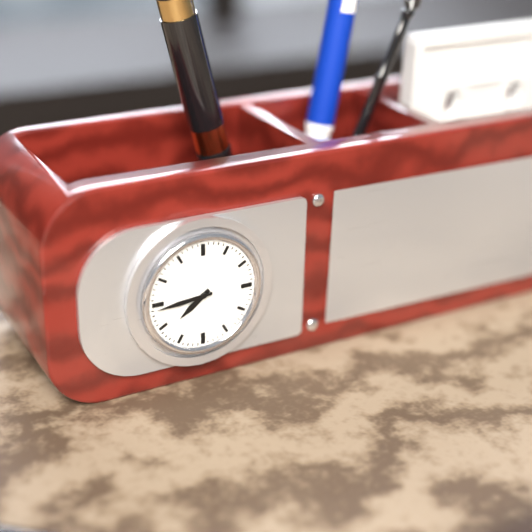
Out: h=7 m=44
